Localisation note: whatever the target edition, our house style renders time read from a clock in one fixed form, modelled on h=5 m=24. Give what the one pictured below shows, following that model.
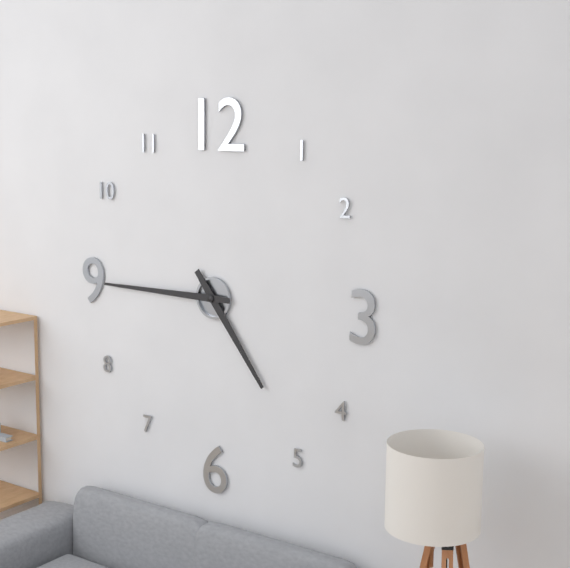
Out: h=4 m=45
